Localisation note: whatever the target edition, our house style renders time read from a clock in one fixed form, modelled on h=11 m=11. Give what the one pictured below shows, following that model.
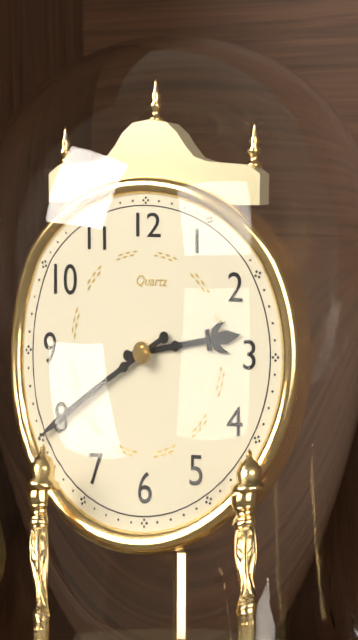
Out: h=2 m=40
